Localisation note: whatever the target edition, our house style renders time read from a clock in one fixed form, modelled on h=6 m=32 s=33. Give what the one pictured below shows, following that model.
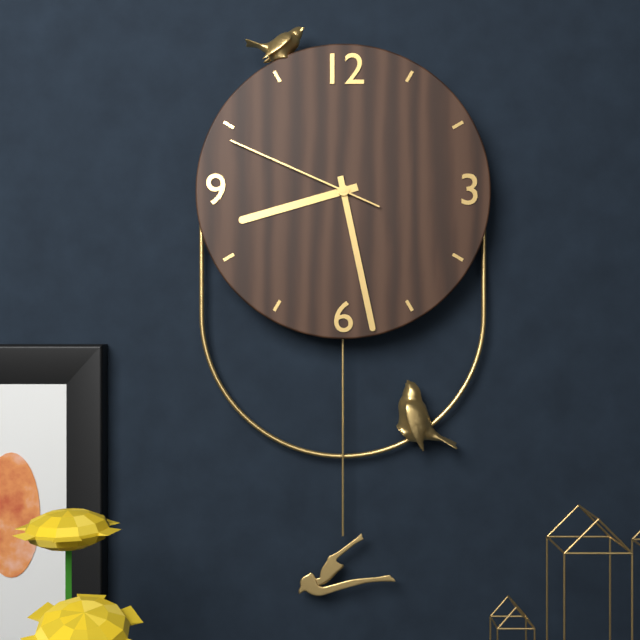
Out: h=8 m=28 s=49
